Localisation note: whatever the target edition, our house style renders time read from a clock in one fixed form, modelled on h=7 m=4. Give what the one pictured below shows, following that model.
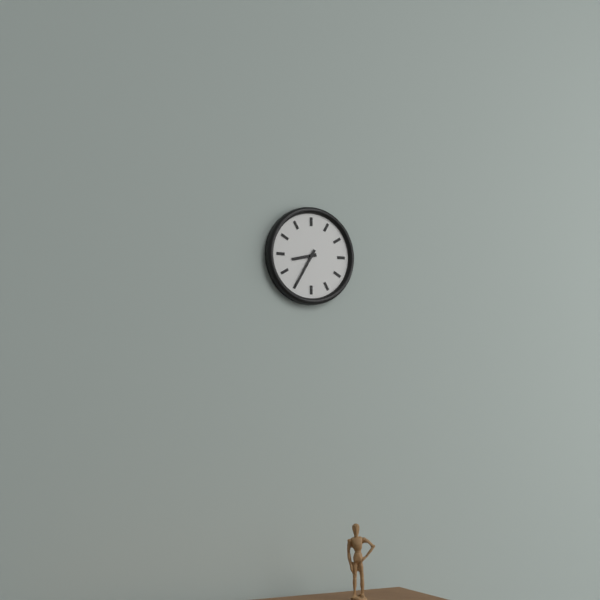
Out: h=8 m=35
